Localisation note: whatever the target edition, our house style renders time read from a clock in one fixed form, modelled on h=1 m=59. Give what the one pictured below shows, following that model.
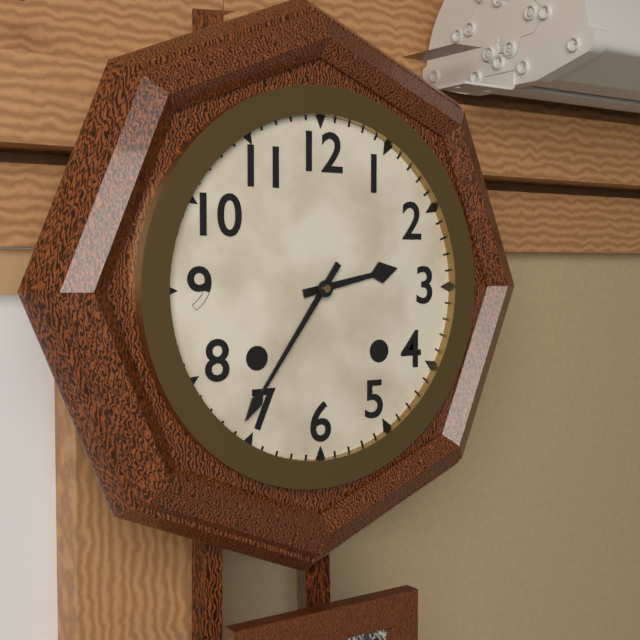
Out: h=2 m=36
